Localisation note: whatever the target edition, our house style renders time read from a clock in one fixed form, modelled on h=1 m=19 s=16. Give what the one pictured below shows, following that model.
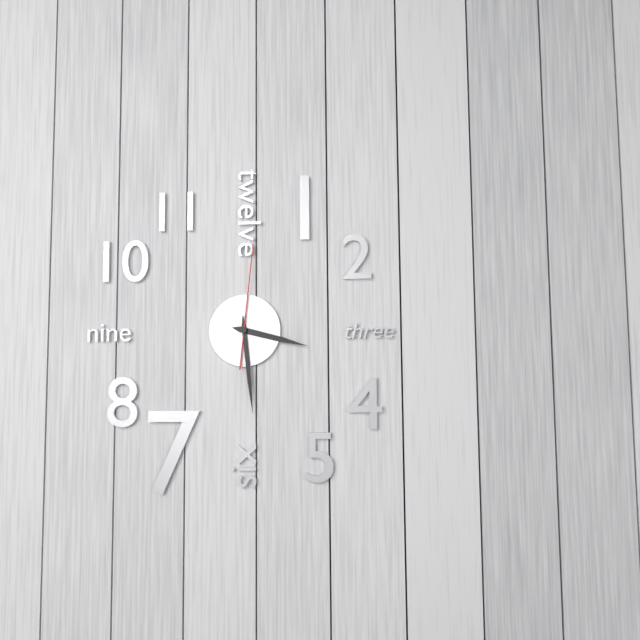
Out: h=3 m=29 s=1
